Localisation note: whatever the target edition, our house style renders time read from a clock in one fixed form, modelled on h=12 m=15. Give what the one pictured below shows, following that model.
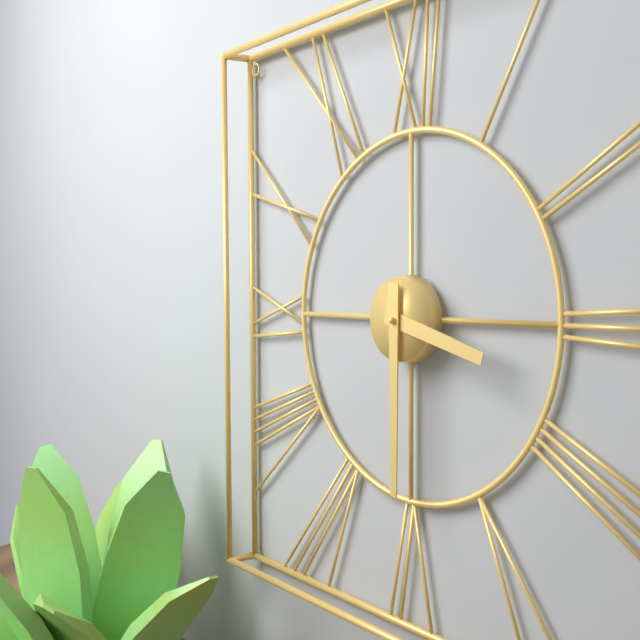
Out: h=3 m=30
